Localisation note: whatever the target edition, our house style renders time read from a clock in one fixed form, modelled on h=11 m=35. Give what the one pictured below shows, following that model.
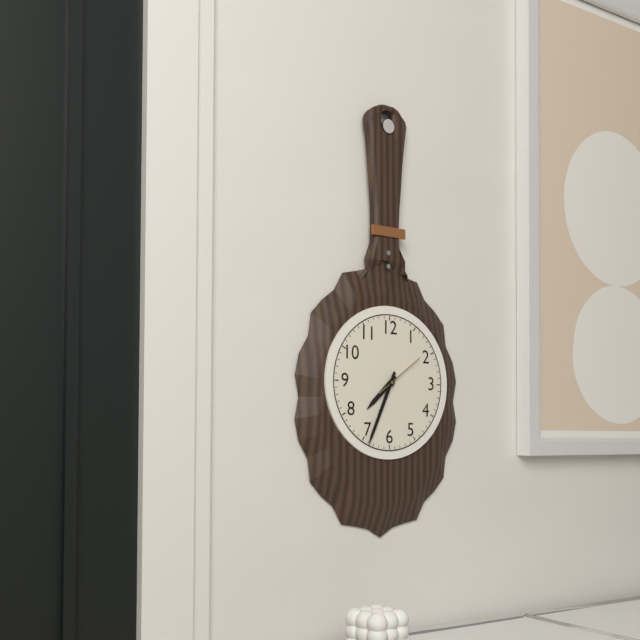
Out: h=7 m=34
